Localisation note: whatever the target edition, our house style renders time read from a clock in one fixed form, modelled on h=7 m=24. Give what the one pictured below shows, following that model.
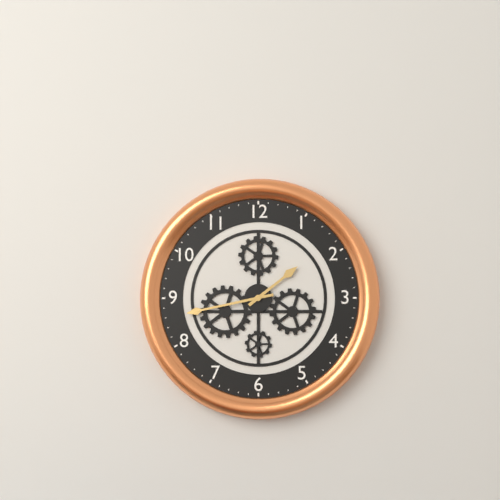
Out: h=1 m=43
